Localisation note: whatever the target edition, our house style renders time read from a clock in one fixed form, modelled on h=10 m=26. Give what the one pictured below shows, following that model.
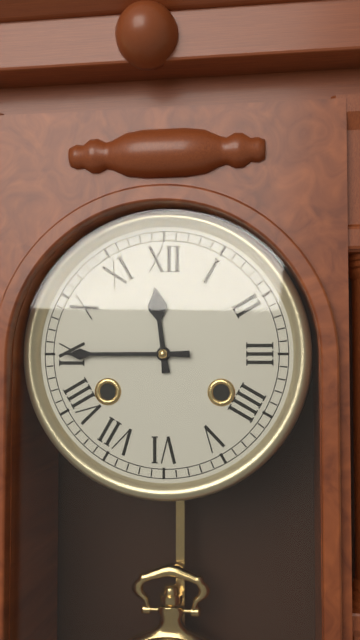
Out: h=11 m=45
